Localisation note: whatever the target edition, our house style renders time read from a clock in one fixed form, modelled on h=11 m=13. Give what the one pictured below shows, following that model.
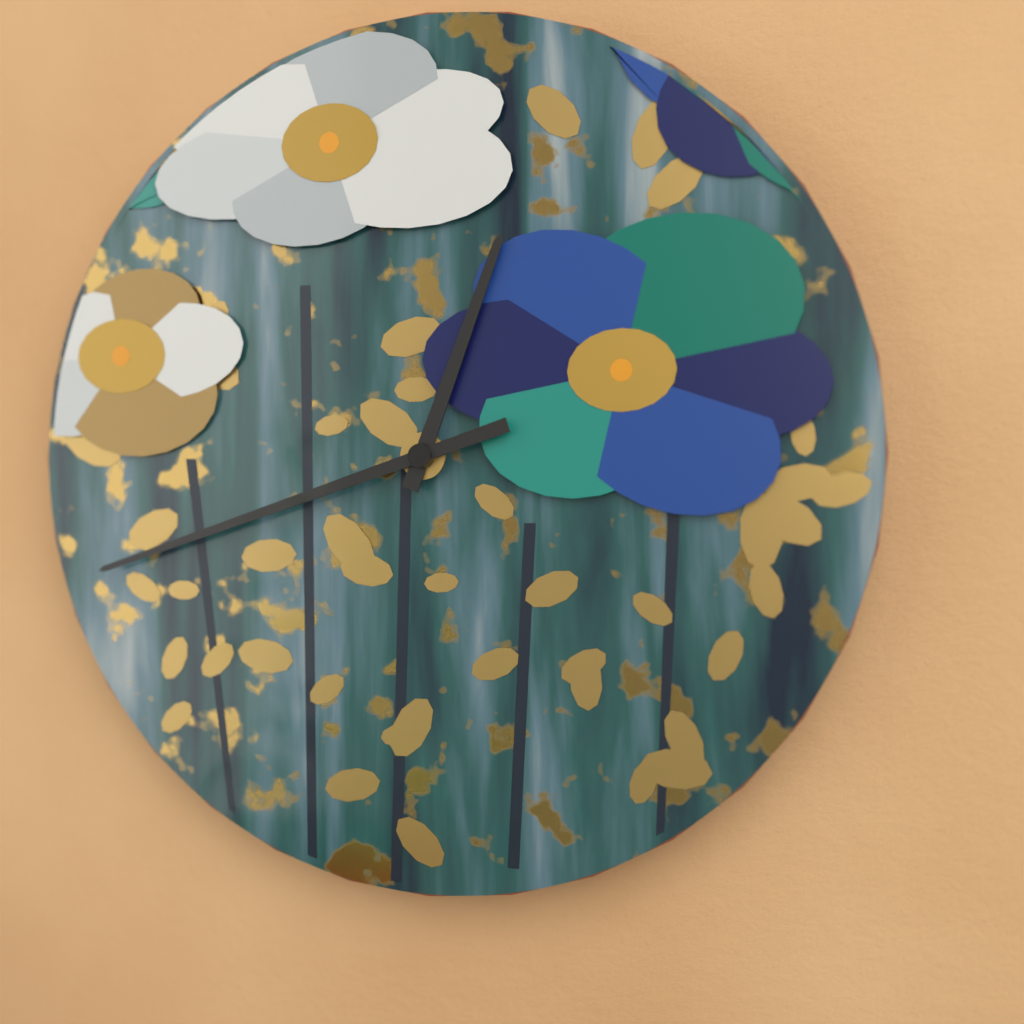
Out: h=12 m=42
